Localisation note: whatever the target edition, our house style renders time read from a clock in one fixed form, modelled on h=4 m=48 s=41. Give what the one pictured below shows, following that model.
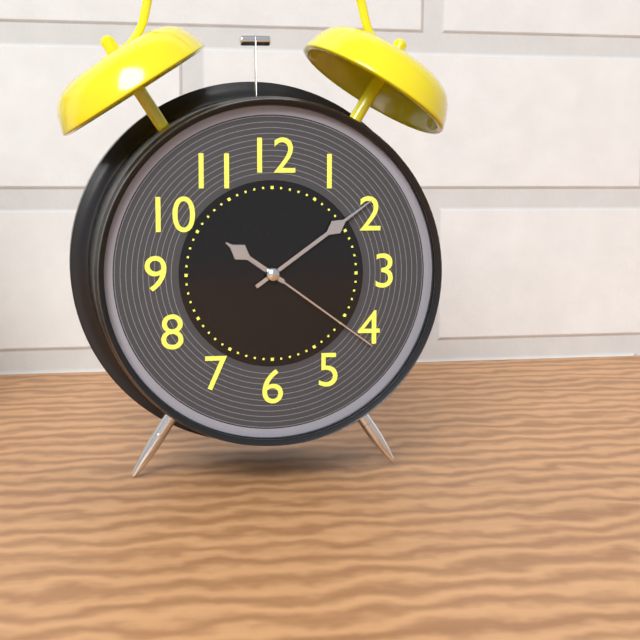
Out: h=10 m=9 s=21
